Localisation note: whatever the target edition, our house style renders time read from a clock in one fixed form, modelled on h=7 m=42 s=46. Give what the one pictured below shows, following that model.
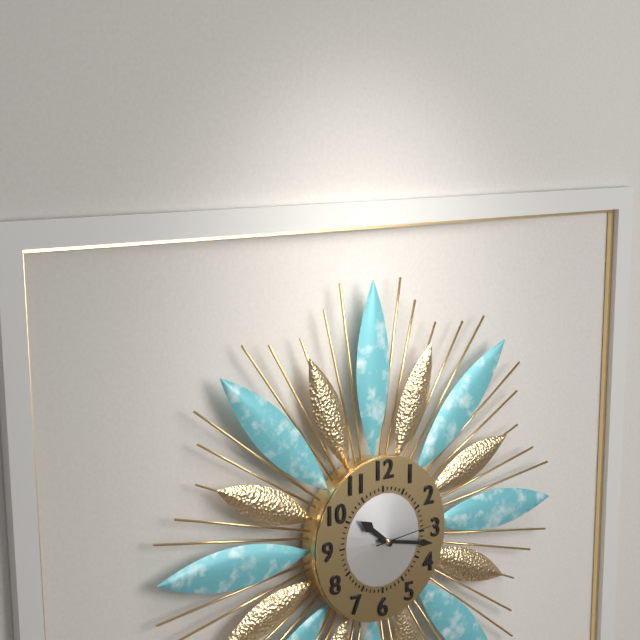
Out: h=10 m=17 s=14
